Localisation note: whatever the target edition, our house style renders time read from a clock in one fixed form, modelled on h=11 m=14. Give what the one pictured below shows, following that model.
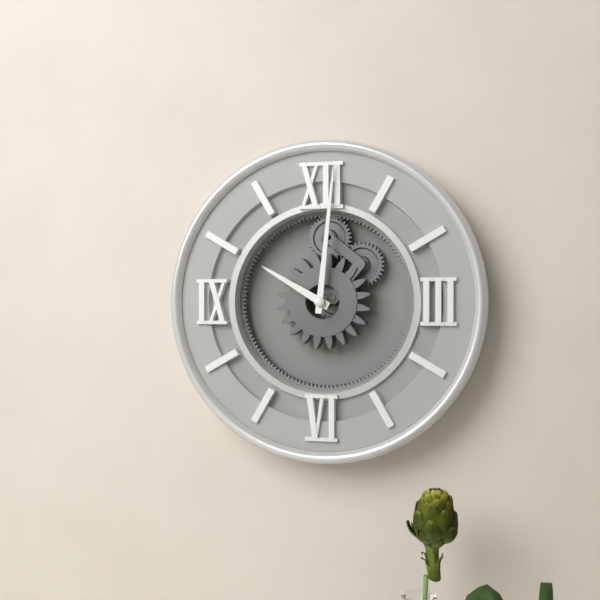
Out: h=10 m=1
